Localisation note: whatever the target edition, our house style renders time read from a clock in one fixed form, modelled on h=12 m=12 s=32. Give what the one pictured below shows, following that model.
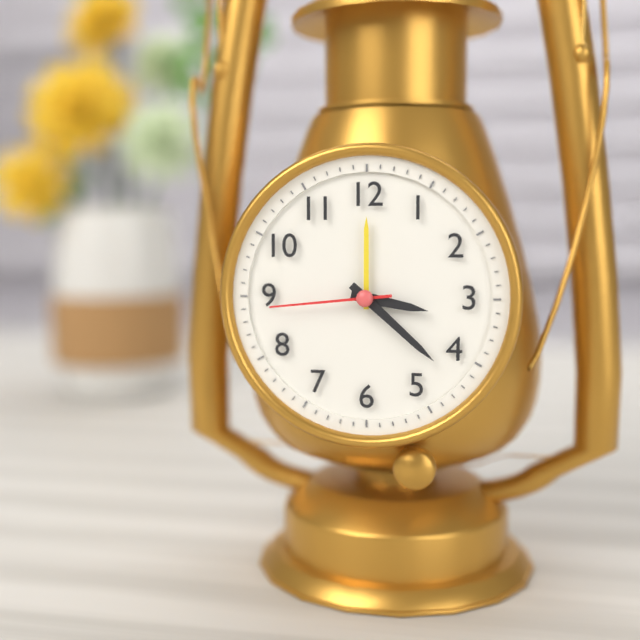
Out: h=3 m=22 s=44
